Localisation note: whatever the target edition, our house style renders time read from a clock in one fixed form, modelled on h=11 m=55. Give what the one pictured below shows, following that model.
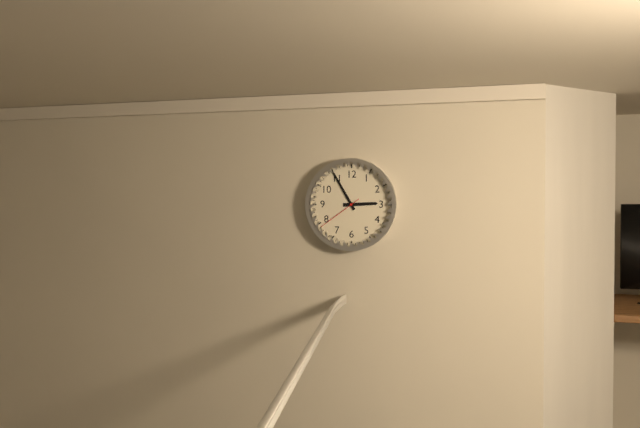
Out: h=2 m=55
